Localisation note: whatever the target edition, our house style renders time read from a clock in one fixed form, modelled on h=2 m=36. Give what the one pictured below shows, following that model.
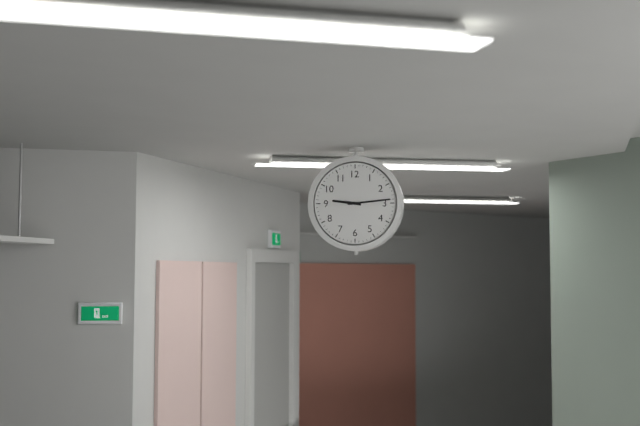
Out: h=9 m=14
